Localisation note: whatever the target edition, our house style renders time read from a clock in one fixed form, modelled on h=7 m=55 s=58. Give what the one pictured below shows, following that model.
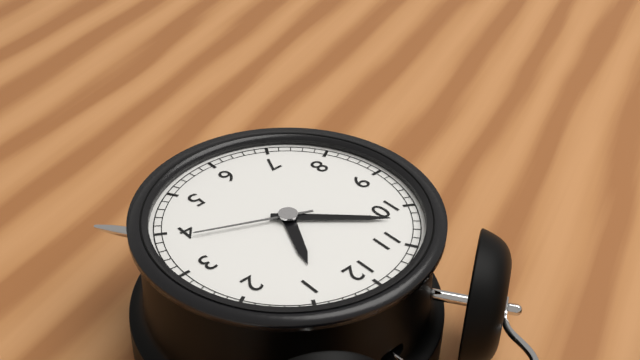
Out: h=12 m=52 s=19
